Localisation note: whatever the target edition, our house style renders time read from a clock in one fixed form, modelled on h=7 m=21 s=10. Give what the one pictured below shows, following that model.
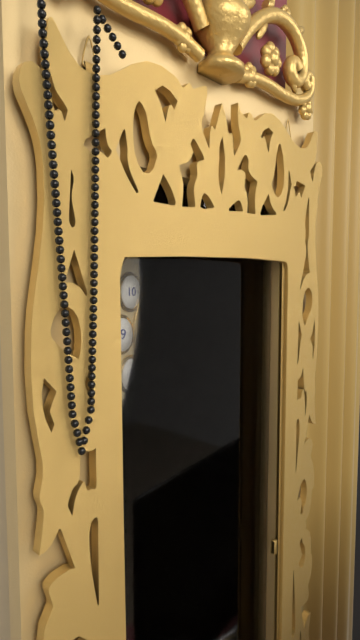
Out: h=3 m=38 s=10
